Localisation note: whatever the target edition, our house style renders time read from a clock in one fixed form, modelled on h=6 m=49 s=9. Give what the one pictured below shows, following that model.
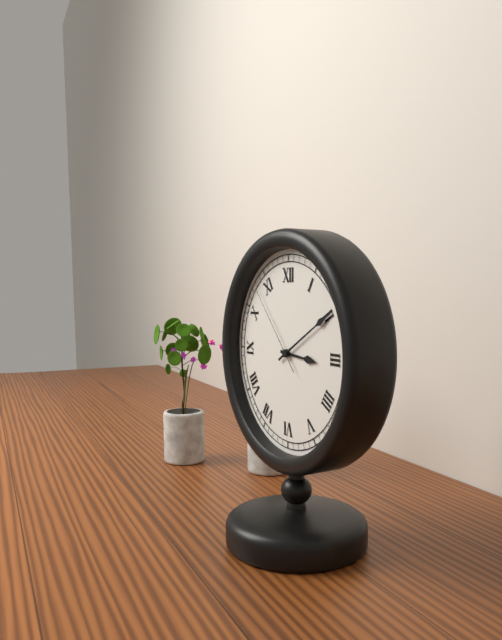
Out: h=3 m=10 s=53
